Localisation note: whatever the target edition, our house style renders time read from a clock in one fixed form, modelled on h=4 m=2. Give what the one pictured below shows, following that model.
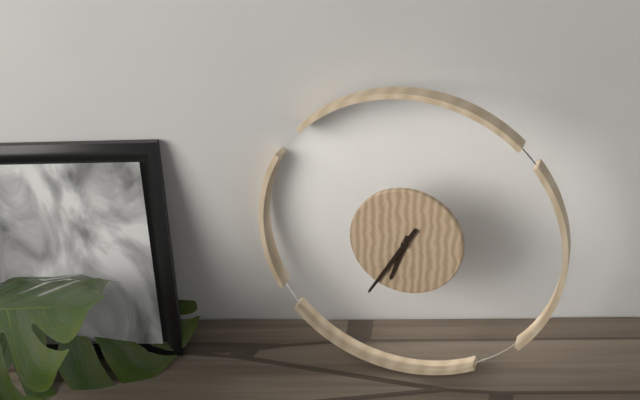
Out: h=6 m=35
